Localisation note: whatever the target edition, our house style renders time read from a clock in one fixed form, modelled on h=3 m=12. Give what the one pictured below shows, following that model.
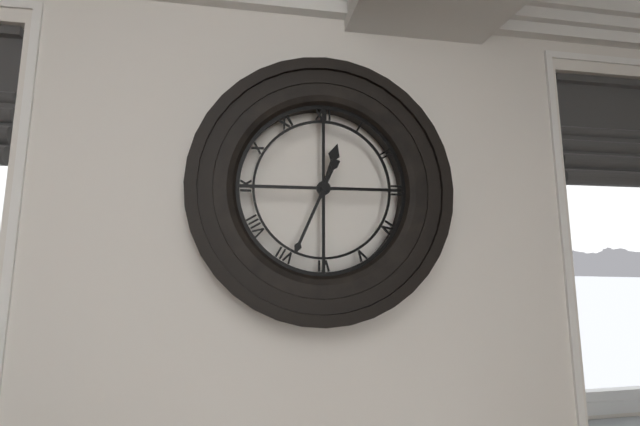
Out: h=12 m=34
